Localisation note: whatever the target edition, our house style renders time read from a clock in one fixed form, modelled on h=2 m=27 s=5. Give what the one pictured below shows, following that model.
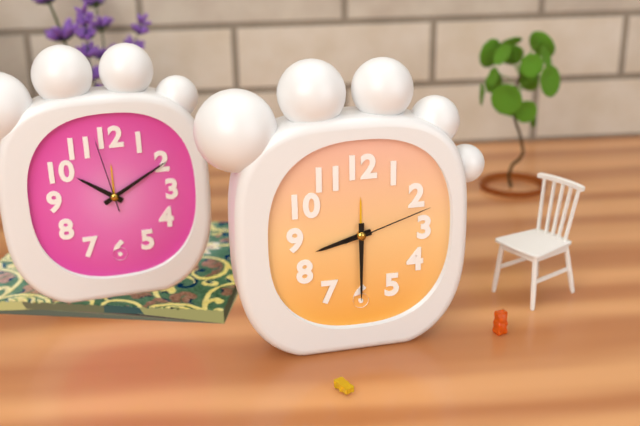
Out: h=8 m=30 s=12
